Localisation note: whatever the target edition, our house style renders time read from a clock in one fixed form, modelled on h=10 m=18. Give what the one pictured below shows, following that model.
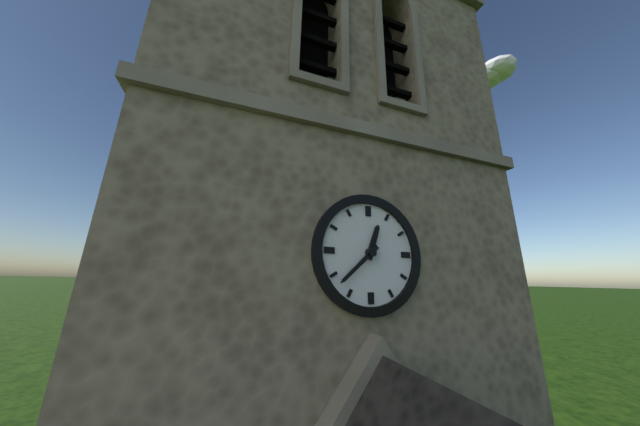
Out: h=12 m=38
